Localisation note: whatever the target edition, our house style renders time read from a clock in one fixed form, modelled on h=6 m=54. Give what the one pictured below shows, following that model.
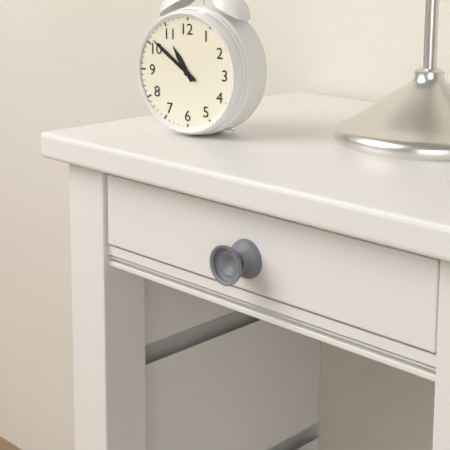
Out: h=10 m=51
